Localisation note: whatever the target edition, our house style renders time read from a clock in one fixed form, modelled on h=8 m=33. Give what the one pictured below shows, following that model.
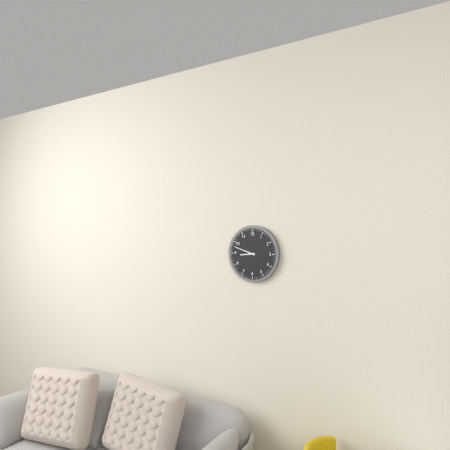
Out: h=8 m=48
